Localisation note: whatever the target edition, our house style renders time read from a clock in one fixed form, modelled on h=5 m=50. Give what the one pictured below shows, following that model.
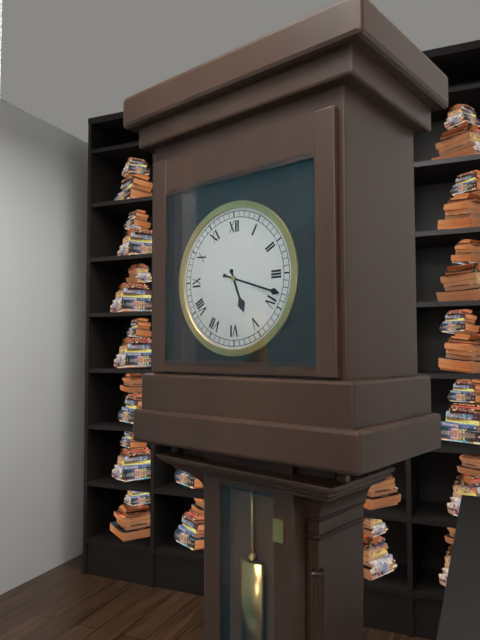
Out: h=5 m=18
